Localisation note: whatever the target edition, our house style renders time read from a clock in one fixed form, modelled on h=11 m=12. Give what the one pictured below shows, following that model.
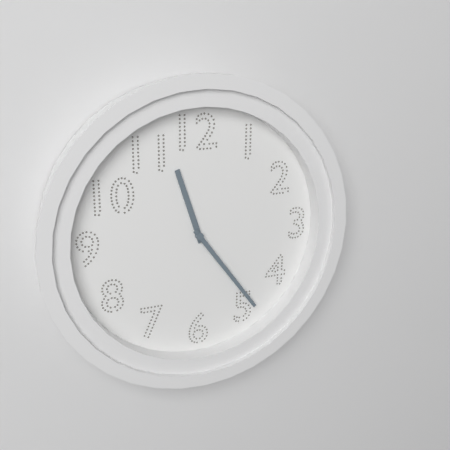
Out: h=11 m=24
